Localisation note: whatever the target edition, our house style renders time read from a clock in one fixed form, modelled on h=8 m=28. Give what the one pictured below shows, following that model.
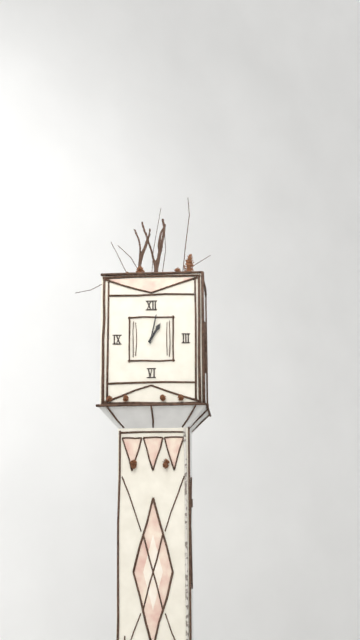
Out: h=1 m=2
